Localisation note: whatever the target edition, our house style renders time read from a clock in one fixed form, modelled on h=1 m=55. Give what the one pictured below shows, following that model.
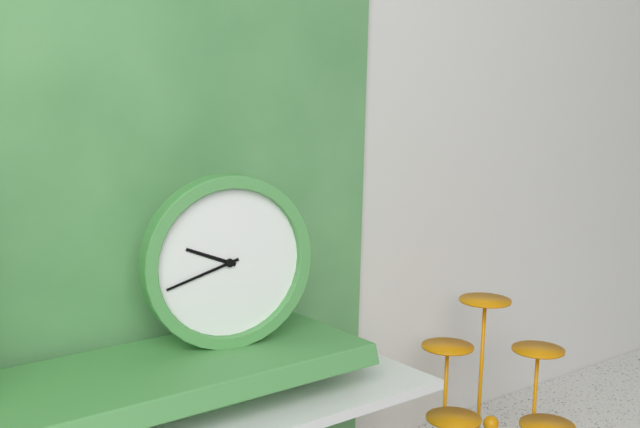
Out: h=9 m=42
